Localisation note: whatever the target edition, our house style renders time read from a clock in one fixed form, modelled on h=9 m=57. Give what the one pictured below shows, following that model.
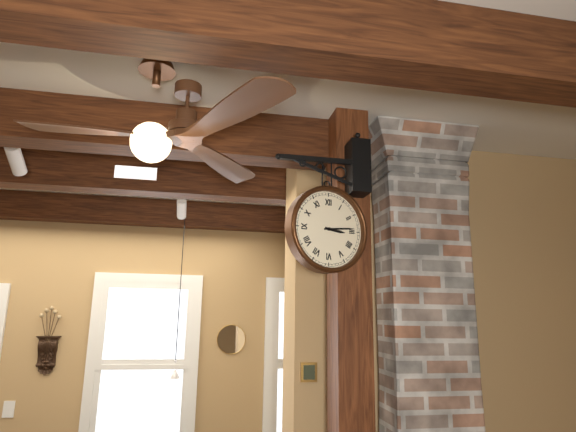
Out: h=3 m=14
